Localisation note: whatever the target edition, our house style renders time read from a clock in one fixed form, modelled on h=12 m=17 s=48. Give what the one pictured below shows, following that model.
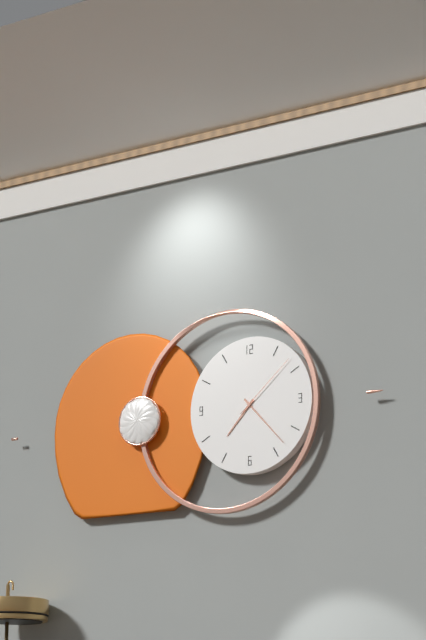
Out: h=7 m=23 s=8
